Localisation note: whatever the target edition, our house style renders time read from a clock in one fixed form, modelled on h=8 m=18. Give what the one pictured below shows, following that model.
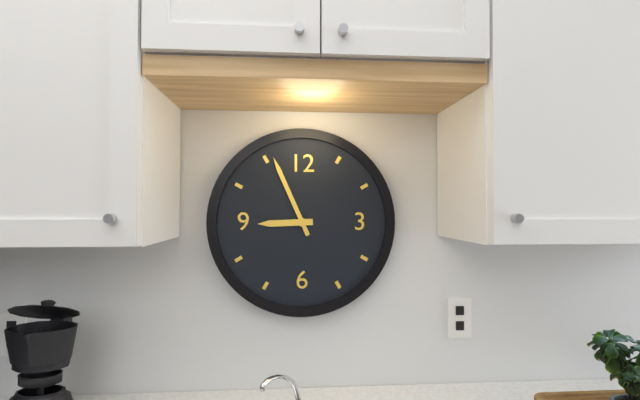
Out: h=8 m=56
